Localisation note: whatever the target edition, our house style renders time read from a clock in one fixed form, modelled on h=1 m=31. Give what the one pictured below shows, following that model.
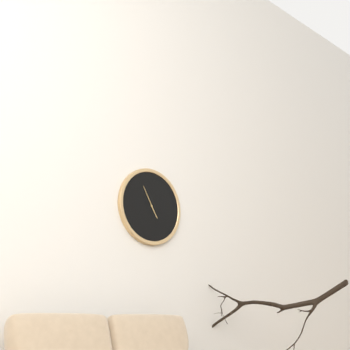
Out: h=4 m=55
